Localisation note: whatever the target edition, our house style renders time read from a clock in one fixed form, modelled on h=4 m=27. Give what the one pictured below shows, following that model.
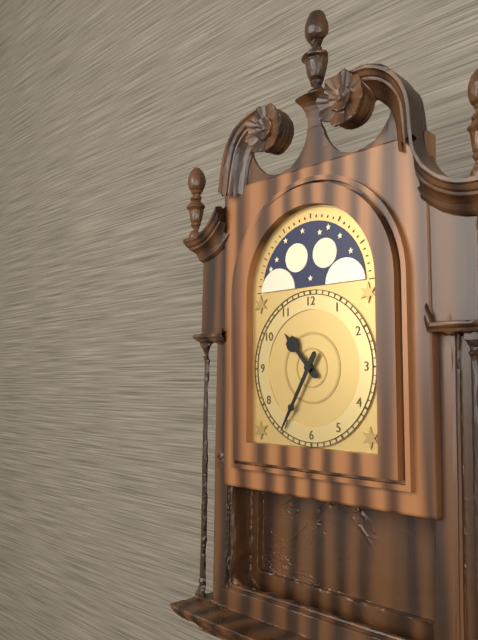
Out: h=10 m=35
